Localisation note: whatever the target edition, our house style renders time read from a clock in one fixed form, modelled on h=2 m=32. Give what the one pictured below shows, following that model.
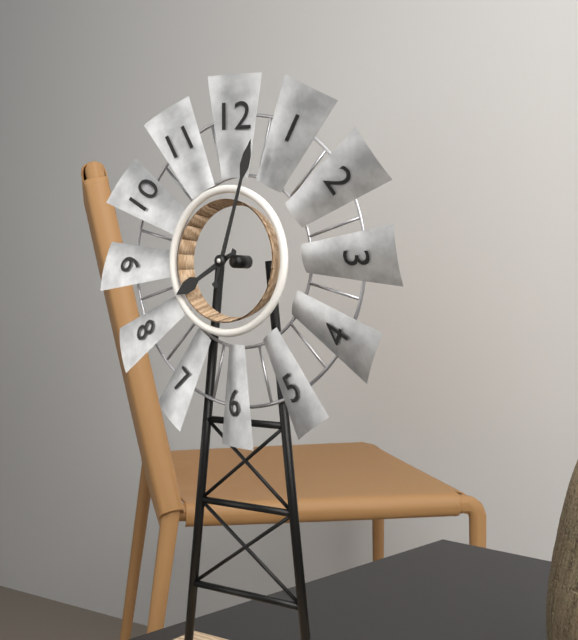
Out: h=8 m=3
